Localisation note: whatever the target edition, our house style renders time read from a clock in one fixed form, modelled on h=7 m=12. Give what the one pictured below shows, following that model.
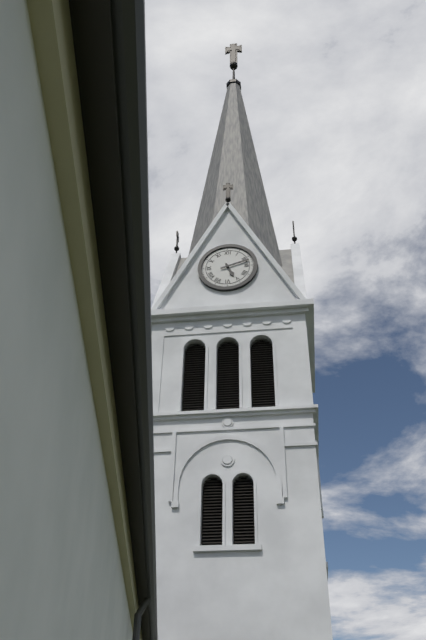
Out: h=5 m=12
